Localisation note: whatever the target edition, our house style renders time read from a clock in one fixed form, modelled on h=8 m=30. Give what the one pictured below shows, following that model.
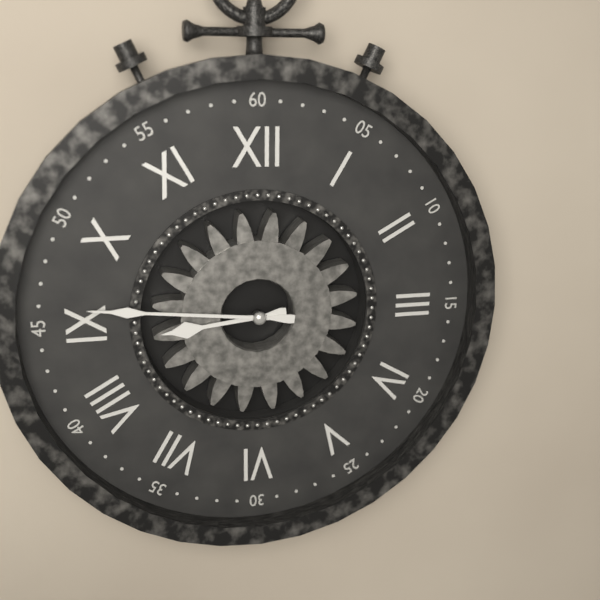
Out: h=8 m=46
